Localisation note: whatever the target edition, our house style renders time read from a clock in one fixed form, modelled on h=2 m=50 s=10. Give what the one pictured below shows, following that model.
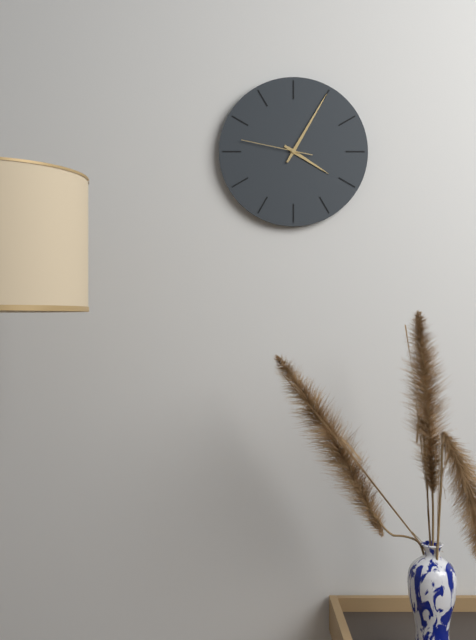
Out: h=4 m=5 s=47
